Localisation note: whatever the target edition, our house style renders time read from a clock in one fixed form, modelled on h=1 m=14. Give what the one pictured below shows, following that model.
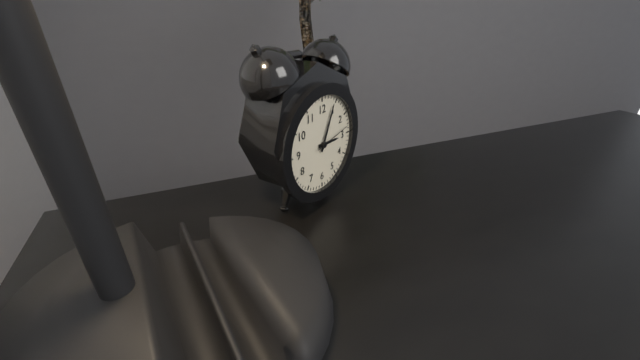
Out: h=3 m=4
